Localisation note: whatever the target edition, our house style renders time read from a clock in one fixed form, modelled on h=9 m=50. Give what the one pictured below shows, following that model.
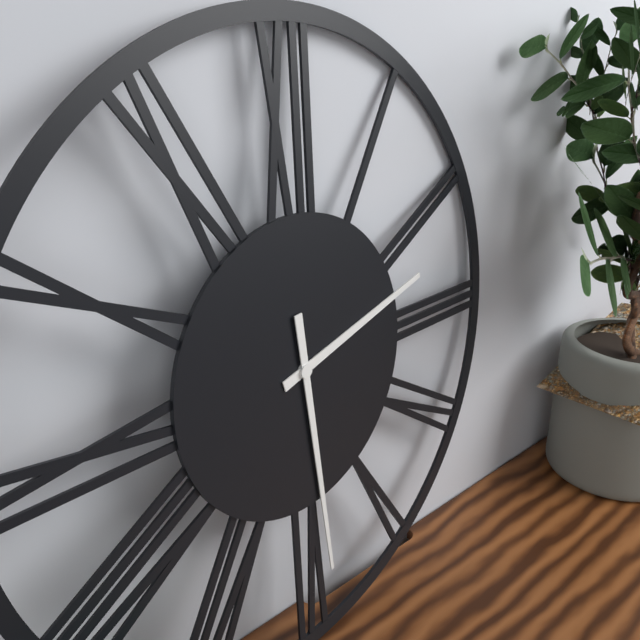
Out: h=2 m=29
